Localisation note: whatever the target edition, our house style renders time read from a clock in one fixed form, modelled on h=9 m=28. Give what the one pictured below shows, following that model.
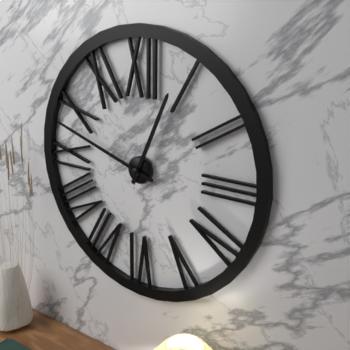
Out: h=12 m=48
